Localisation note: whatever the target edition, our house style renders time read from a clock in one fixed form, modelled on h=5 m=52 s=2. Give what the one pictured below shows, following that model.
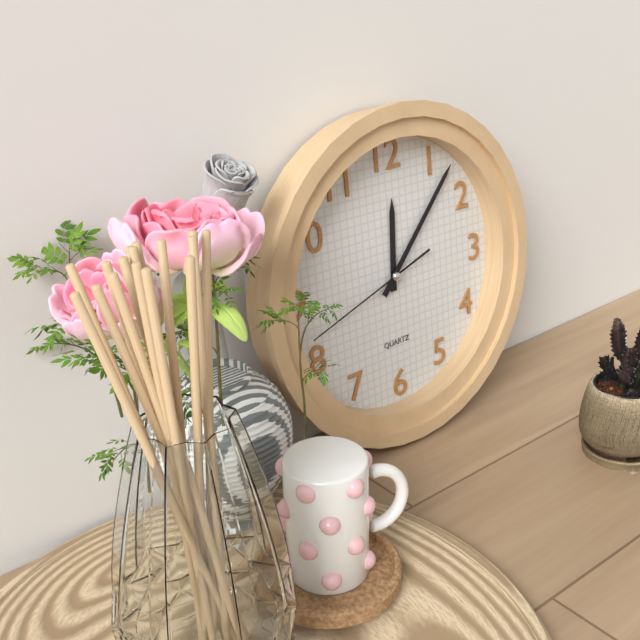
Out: h=12 m=7 s=42
